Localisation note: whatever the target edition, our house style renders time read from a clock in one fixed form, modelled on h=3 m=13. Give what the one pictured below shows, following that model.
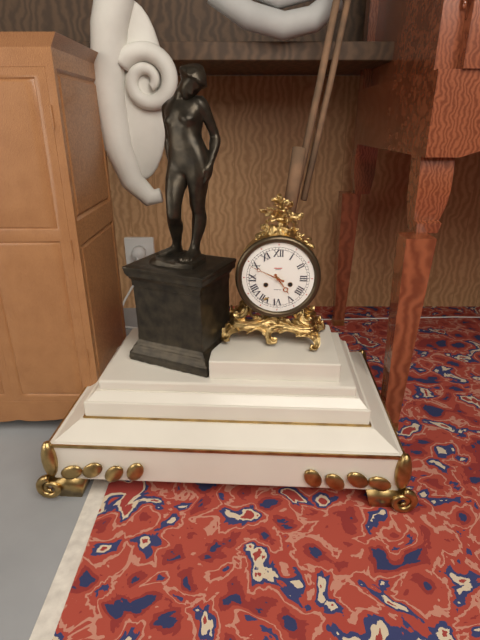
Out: h=4 m=49
